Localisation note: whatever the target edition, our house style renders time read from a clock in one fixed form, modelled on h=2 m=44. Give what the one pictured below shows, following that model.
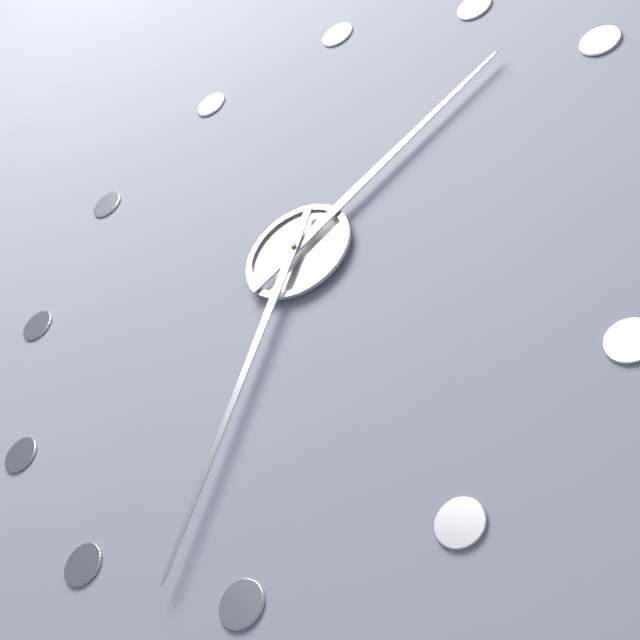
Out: h=1 m=32
